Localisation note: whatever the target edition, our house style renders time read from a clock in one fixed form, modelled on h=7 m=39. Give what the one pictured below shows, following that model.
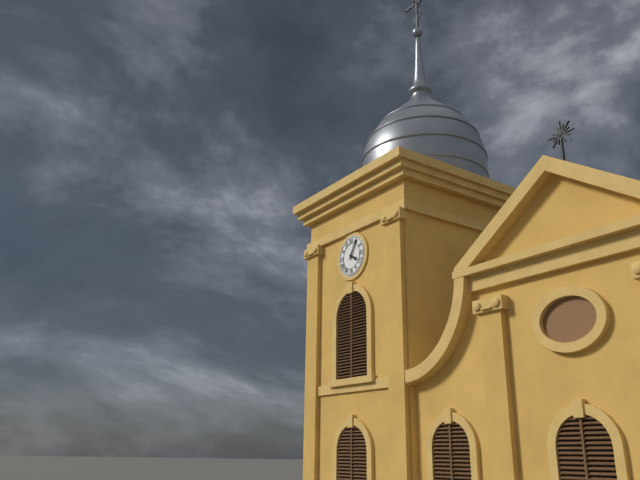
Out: h=4 m=5
